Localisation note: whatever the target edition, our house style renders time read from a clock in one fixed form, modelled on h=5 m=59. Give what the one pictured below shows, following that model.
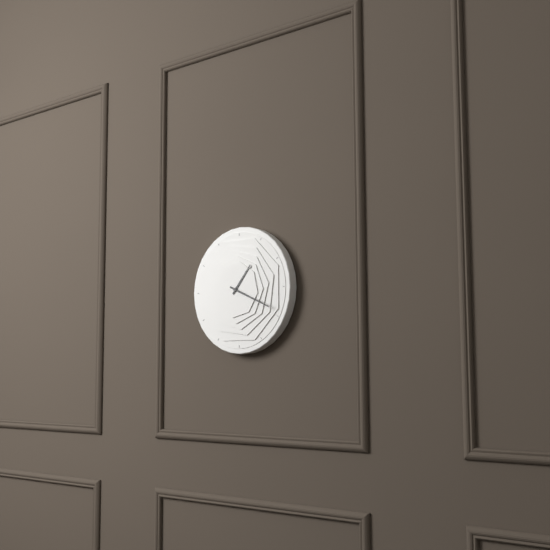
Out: h=1 m=19
